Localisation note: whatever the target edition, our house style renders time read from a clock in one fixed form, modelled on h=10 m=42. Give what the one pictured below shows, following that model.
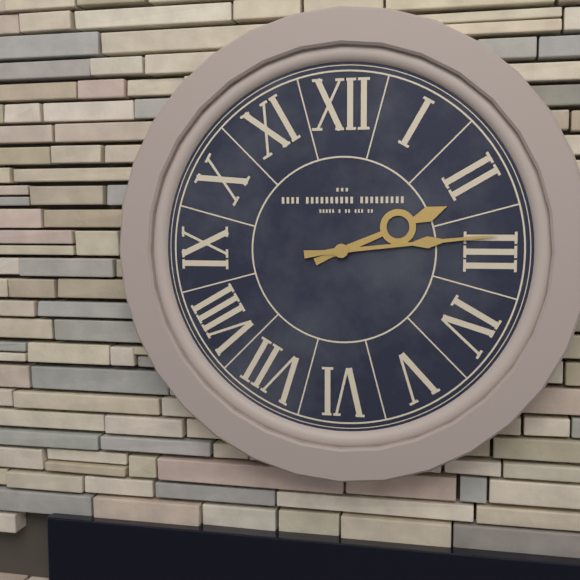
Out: h=2 m=14
